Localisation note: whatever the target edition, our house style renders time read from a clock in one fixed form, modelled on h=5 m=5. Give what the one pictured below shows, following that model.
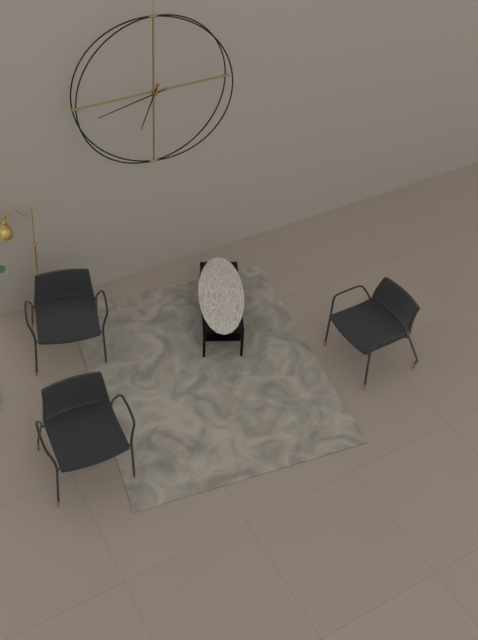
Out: h=6 m=43
